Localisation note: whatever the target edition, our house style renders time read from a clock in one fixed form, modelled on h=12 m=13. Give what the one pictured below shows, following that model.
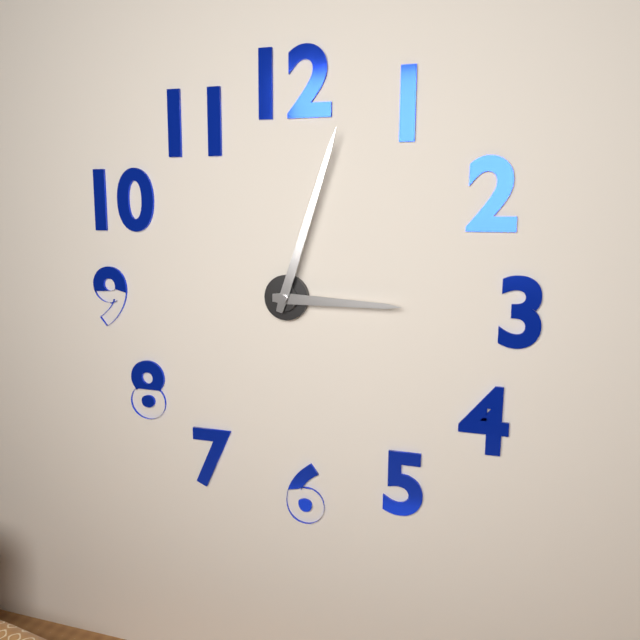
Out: h=3 m=3
